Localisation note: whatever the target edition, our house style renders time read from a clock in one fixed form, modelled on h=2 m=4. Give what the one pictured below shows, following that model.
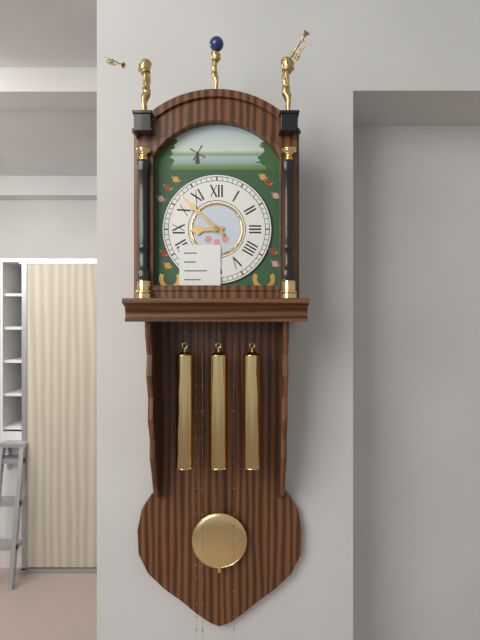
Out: h=8 m=52
